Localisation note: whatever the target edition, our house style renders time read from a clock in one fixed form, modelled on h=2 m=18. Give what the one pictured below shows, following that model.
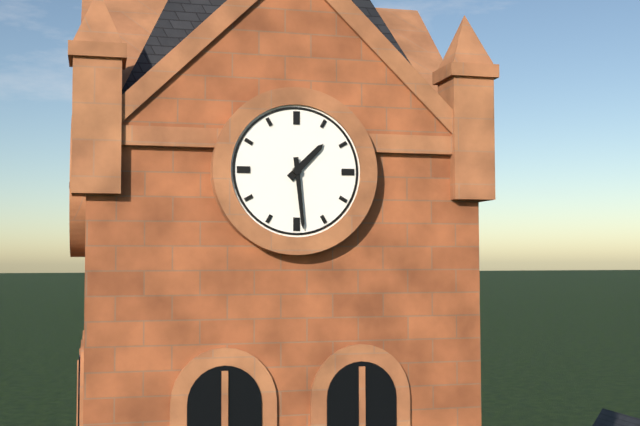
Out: h=1 m=29
